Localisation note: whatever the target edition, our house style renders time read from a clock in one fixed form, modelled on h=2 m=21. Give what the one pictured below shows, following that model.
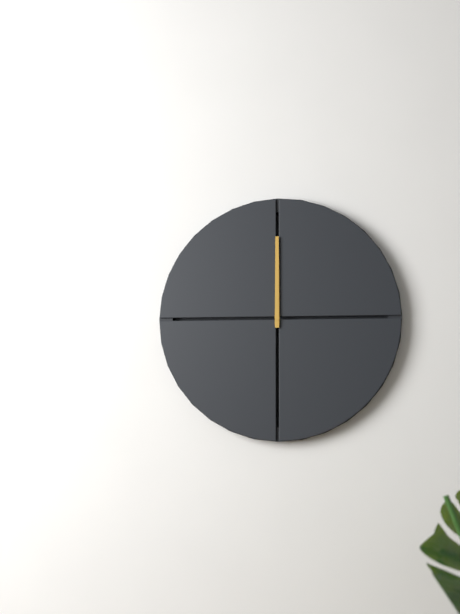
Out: h=12 m=0
